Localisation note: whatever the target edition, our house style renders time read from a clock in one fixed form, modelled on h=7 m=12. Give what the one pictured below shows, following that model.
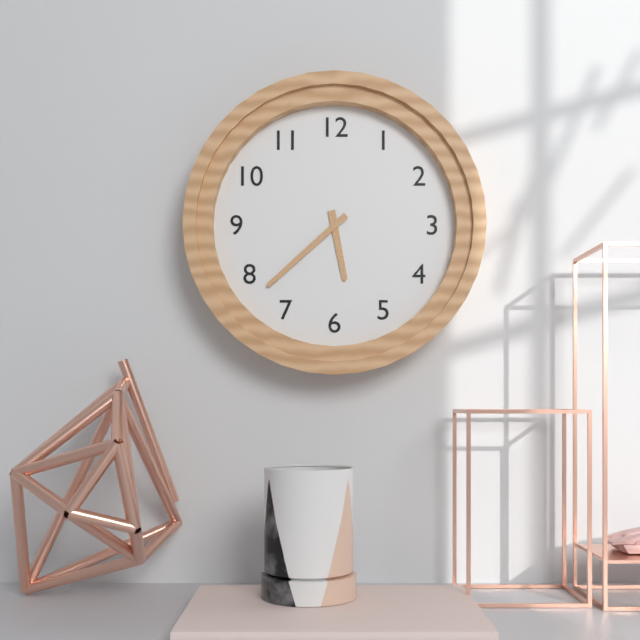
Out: h=5 m=38
